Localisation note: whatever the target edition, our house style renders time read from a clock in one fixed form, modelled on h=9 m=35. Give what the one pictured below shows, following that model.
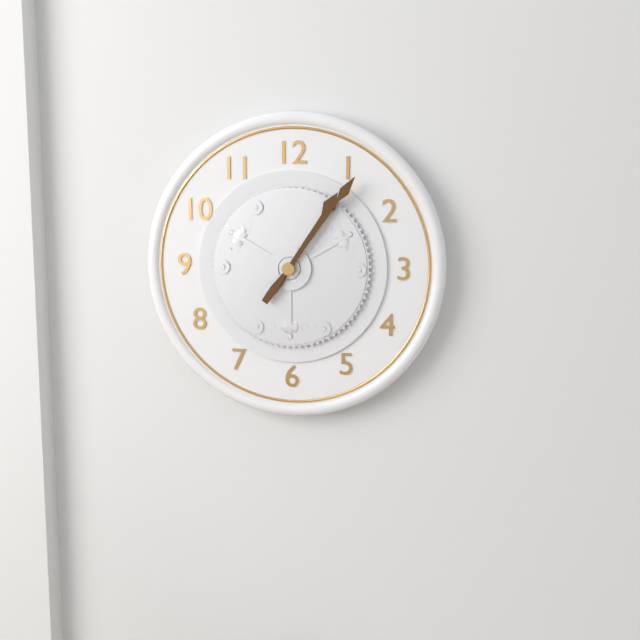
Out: h=1 m=6
